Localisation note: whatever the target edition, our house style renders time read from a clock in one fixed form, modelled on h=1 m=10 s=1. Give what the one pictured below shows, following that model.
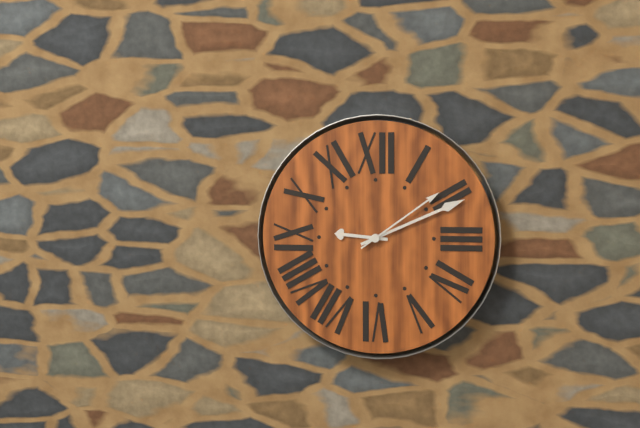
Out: h=9 m=11 s=9
